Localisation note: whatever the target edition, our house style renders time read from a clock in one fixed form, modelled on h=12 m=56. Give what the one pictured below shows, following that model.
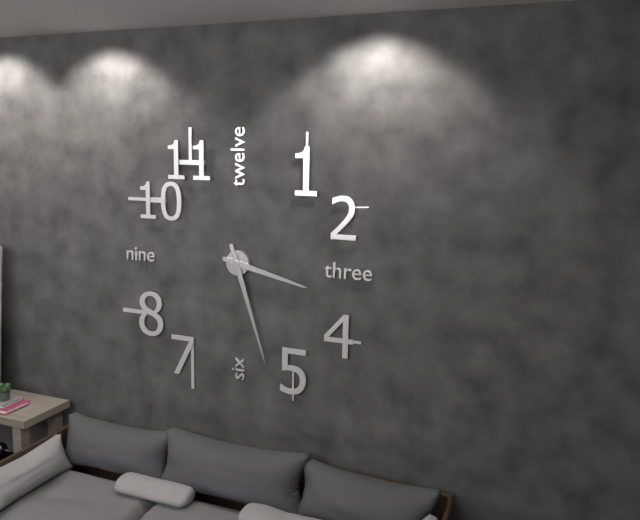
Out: h=3 m=27
